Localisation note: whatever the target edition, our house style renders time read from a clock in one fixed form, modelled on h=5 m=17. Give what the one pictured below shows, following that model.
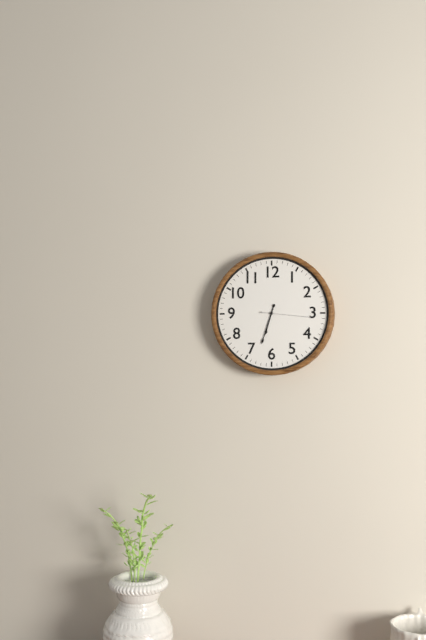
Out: h=6 m=33
